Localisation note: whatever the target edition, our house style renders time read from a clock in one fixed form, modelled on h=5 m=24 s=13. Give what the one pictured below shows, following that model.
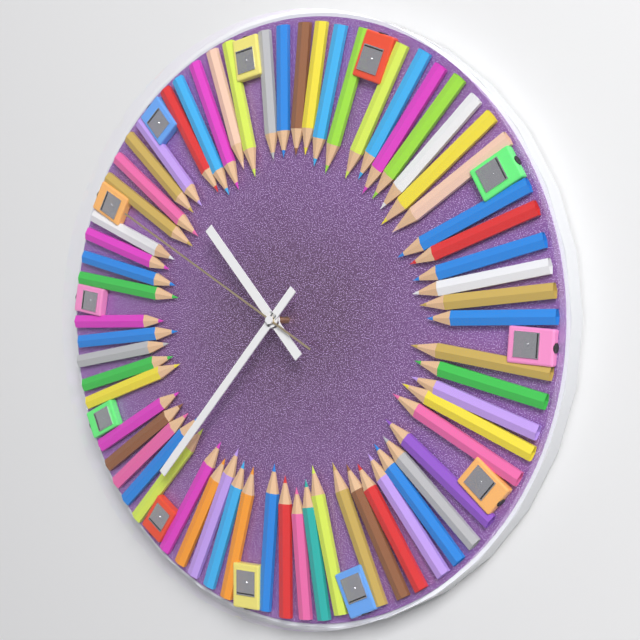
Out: h=10 m=37 s=50
